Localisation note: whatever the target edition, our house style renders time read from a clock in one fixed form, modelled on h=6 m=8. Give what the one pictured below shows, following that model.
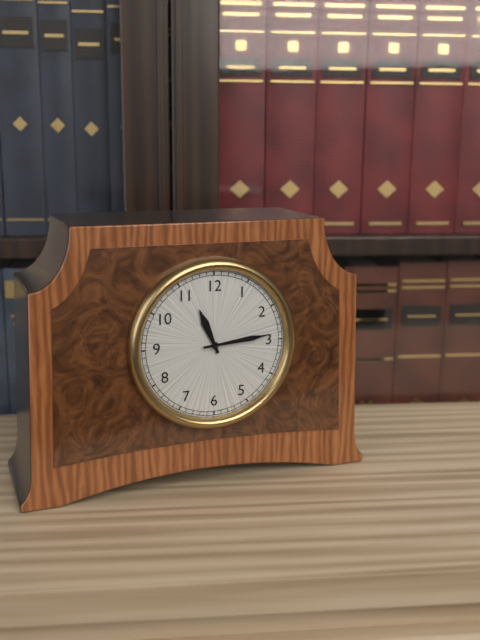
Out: h=11 m=14
